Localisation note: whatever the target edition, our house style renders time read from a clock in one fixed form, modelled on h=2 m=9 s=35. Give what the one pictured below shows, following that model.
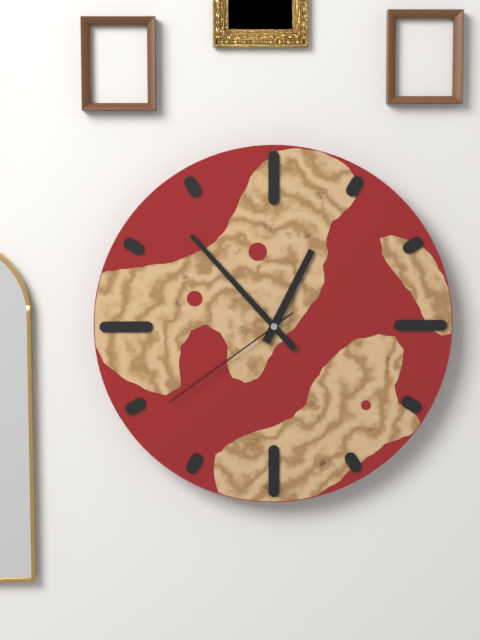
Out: h=12 m=53 s=39
